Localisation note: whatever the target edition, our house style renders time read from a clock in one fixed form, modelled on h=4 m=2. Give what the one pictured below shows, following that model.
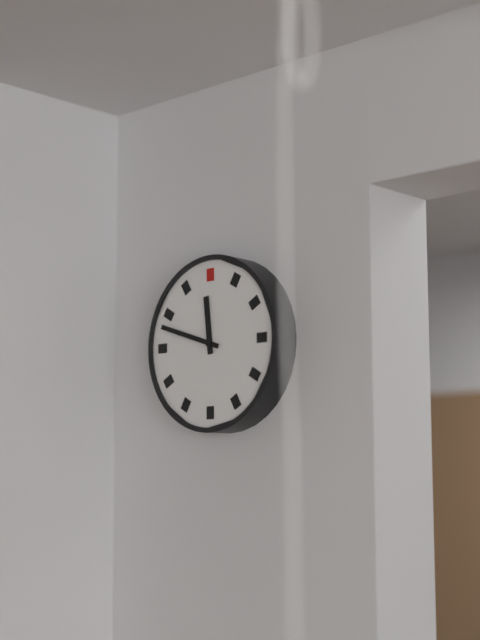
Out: h=11 m=48
